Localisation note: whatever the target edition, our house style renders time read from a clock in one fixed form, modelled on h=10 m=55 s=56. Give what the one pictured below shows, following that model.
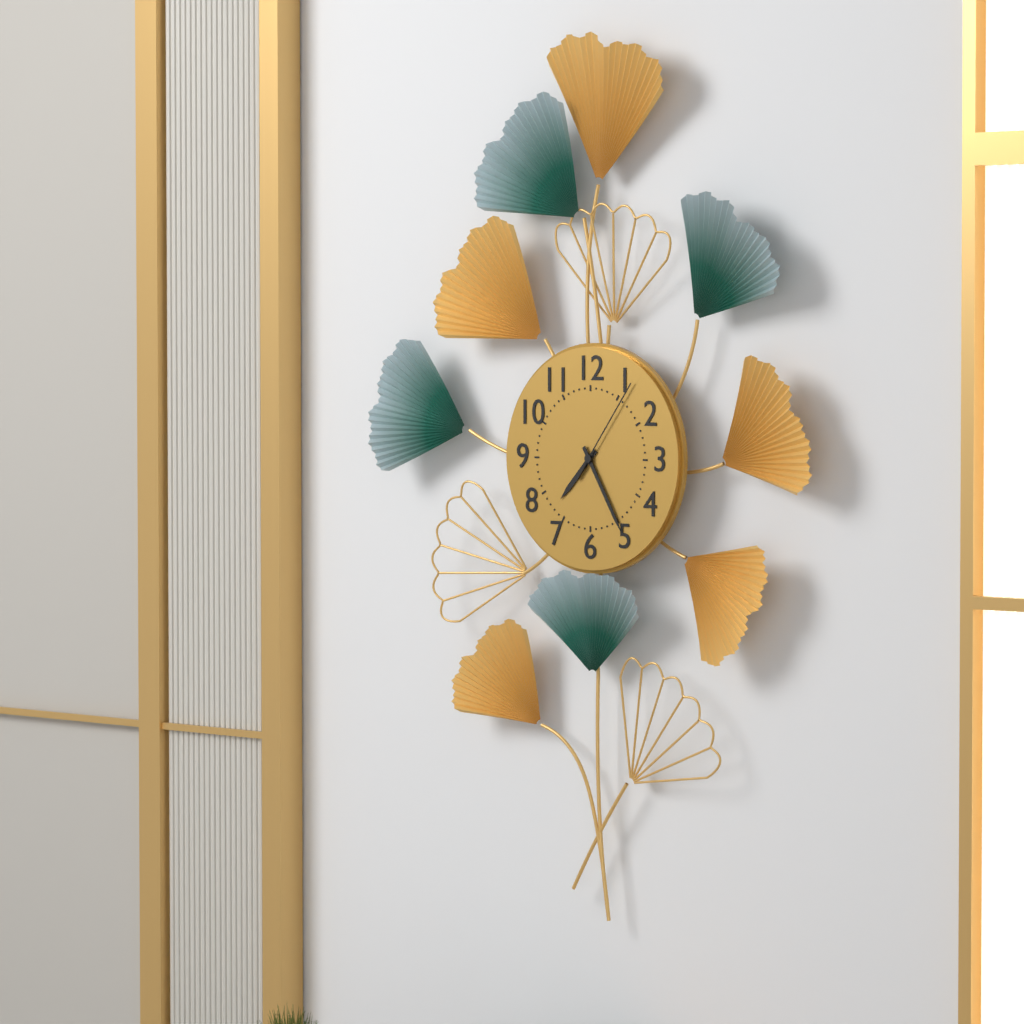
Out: h=7 m=25 s=6
